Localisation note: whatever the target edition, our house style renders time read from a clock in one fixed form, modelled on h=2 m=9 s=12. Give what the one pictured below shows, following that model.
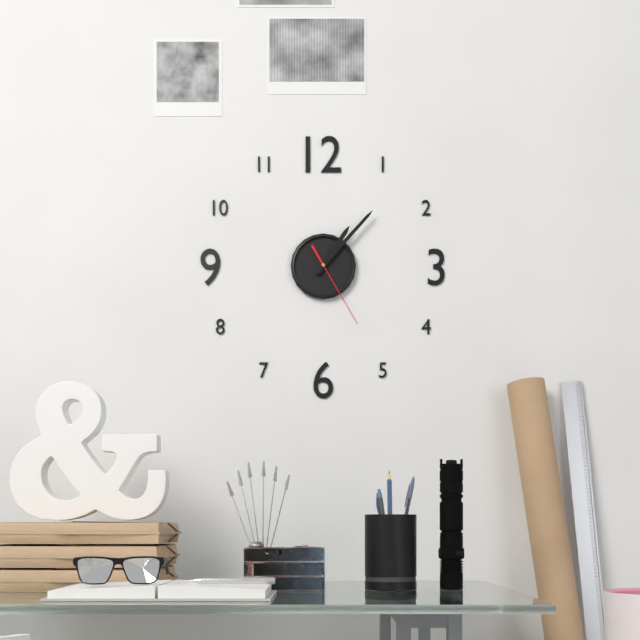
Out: h=1 m=7 s=25
